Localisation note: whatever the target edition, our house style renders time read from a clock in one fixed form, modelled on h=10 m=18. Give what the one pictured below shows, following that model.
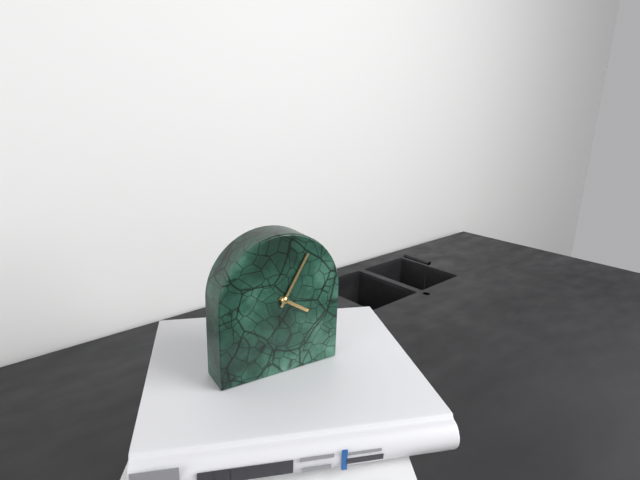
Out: h=4 m=5
